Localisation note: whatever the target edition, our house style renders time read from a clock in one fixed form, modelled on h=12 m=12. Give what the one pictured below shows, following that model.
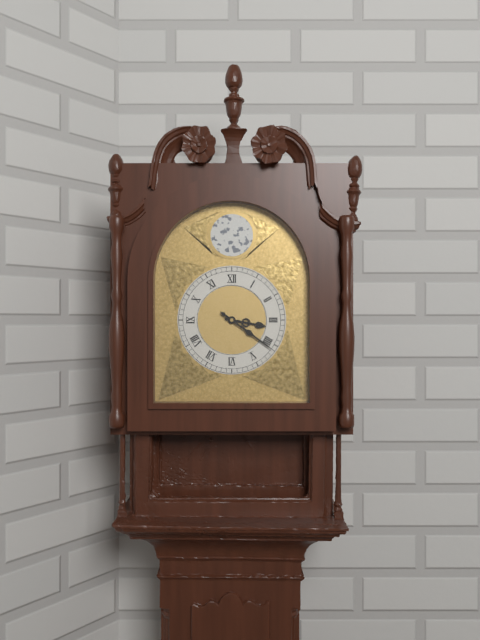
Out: h=3 m=21
